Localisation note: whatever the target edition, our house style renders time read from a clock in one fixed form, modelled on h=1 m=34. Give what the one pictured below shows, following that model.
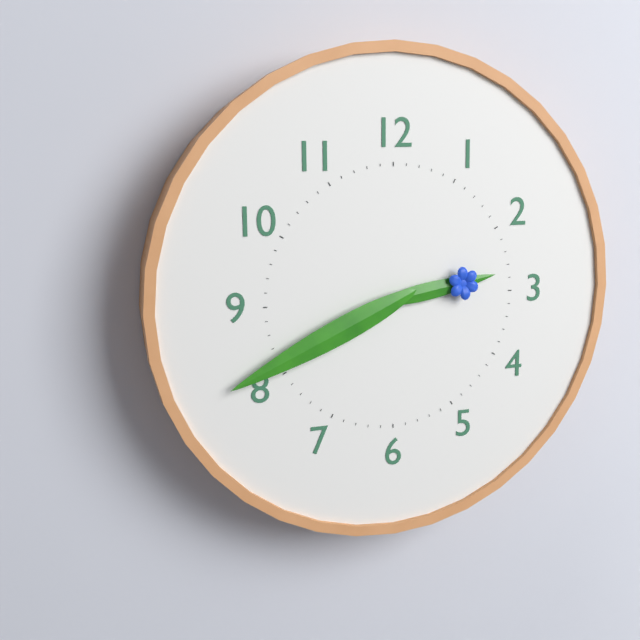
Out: h=2 m=41
